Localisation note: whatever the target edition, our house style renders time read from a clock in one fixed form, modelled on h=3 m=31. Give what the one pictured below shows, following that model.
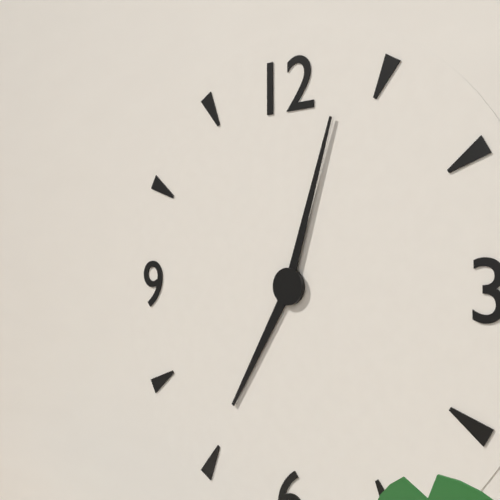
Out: h=7 m=3
